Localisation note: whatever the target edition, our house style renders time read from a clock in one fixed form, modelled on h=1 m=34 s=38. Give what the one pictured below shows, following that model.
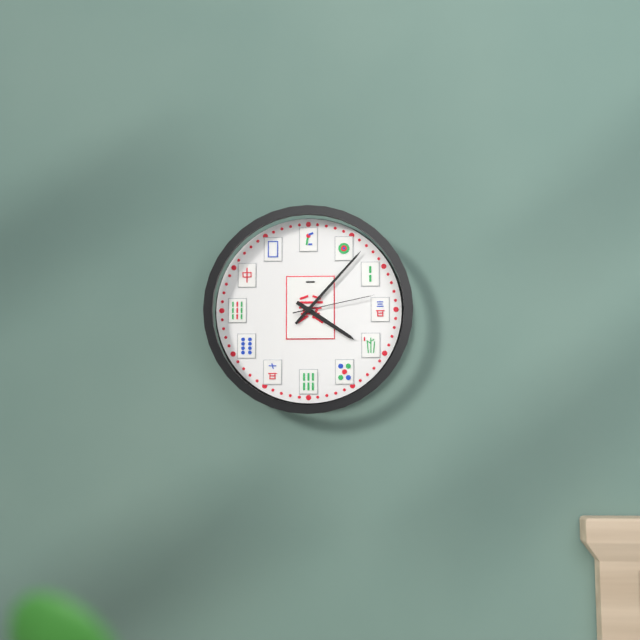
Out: h=4 m=7 s=13
